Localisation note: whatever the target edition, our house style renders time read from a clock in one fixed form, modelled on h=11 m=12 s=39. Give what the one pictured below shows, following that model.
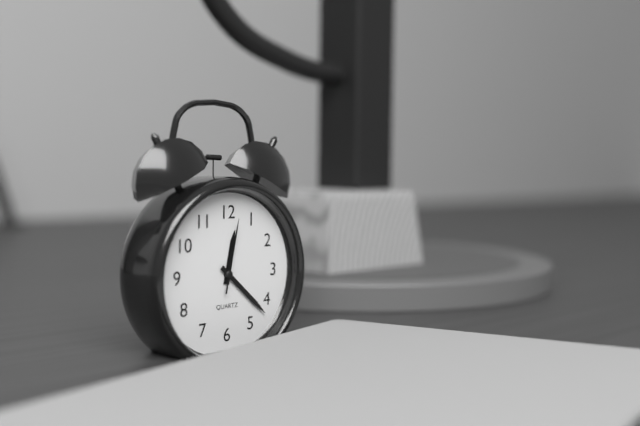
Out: h=12 m=22 s=2
